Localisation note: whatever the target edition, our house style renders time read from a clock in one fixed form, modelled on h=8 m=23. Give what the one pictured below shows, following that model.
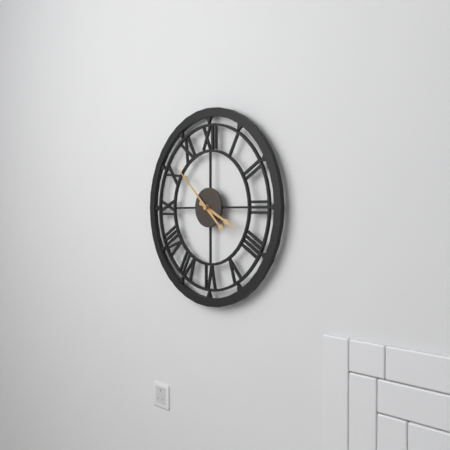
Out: h=3 m=52
